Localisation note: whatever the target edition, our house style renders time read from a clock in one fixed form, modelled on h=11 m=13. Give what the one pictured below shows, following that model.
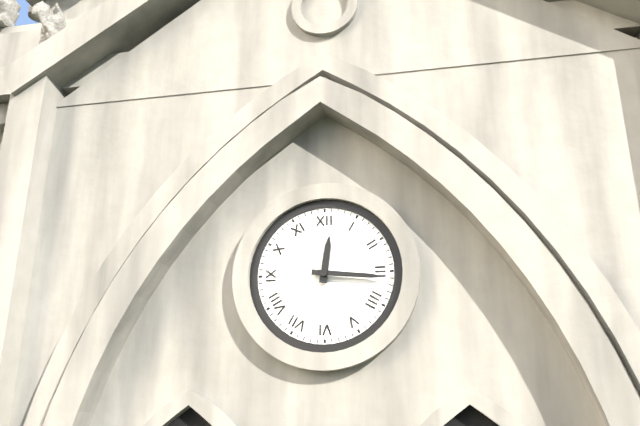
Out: h=12 m=16
